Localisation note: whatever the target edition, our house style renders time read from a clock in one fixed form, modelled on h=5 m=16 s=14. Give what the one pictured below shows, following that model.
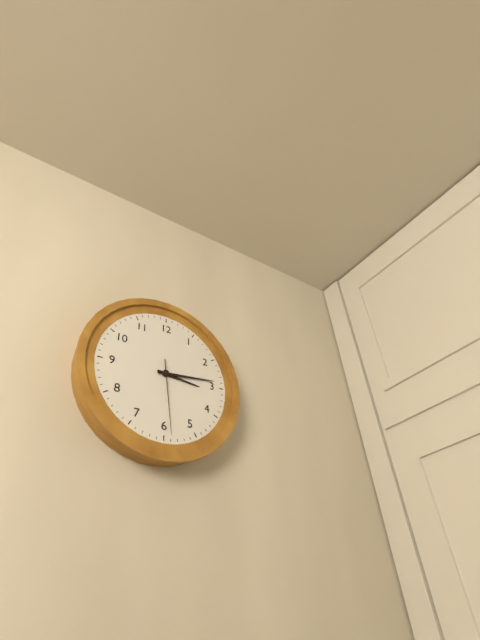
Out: h=3 m=14 s=29
